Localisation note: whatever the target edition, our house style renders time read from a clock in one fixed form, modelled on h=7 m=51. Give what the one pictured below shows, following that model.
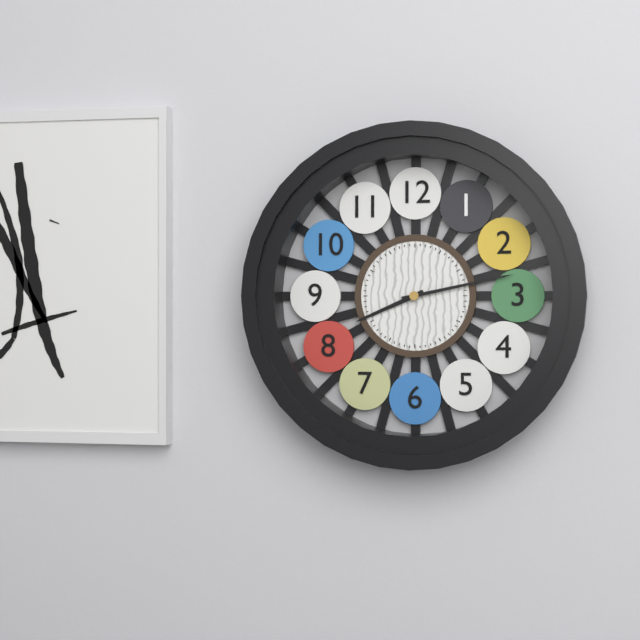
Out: h=8 m=13
